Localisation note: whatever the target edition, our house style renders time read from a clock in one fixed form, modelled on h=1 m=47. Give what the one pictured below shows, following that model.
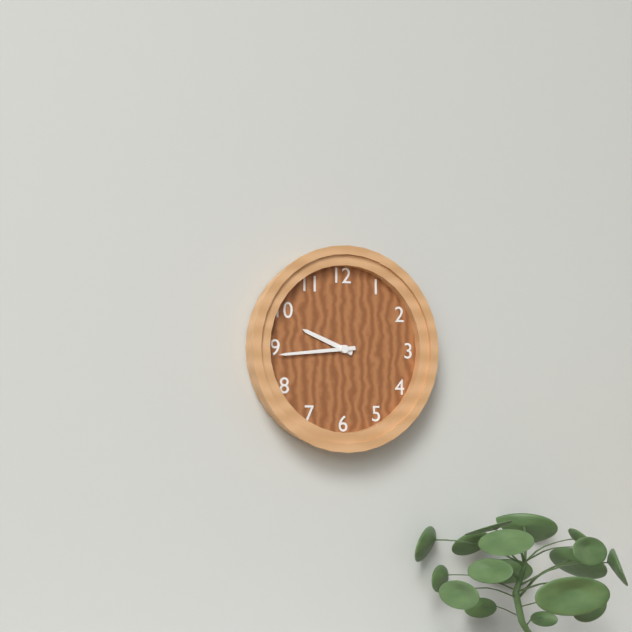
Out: h=9 m=44
